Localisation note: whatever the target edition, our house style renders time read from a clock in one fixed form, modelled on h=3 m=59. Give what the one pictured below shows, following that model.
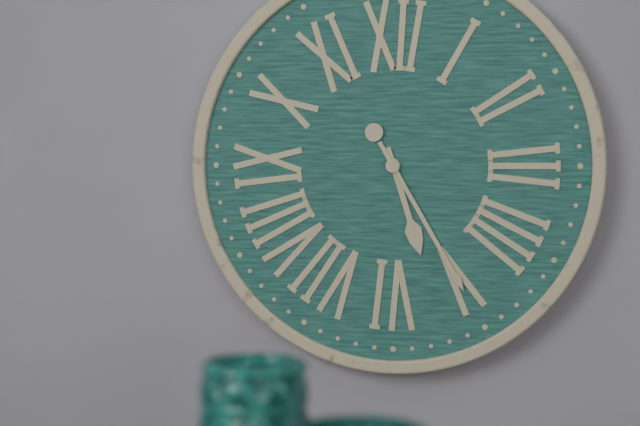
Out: h=5 m=25
